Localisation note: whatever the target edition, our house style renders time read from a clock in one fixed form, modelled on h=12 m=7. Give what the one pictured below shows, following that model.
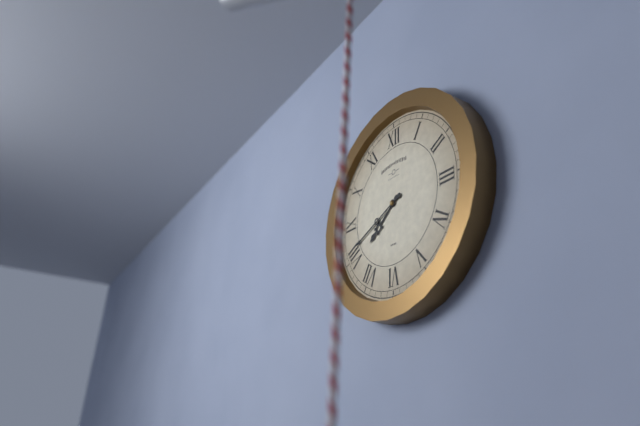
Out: h=7 m=41
